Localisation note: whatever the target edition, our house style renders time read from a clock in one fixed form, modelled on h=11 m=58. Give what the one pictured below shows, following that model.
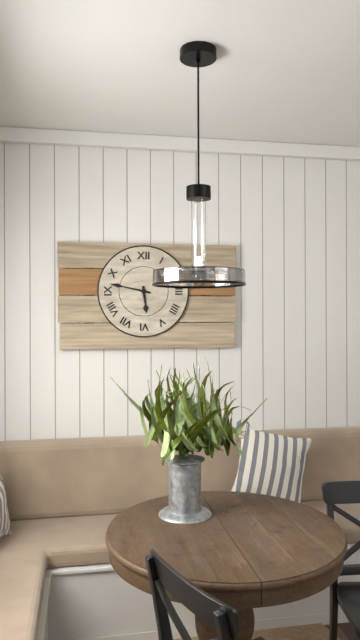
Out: h=5 m=47
